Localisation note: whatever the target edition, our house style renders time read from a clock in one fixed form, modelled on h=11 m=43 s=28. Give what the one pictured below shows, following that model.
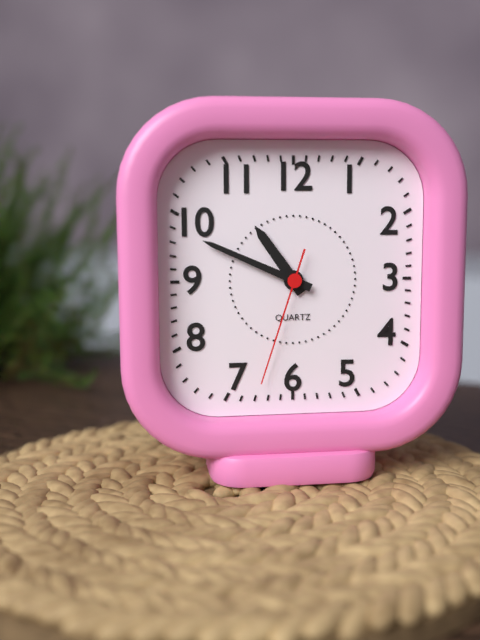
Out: h=10 m=49 s=33
